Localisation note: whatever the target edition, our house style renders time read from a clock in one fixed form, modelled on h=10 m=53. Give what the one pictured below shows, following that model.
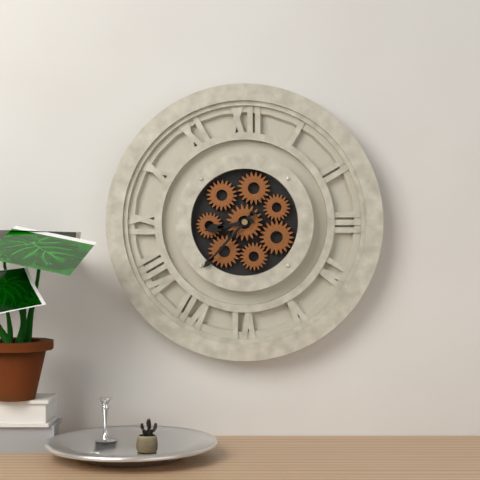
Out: h=8 m=37
